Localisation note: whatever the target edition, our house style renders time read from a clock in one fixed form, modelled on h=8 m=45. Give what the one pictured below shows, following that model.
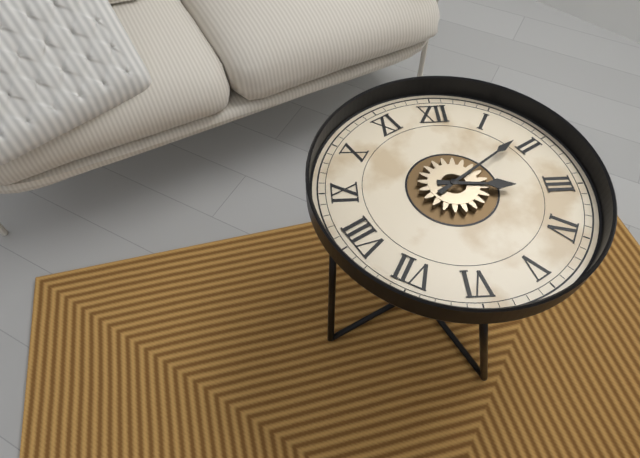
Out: h=3 m=9
